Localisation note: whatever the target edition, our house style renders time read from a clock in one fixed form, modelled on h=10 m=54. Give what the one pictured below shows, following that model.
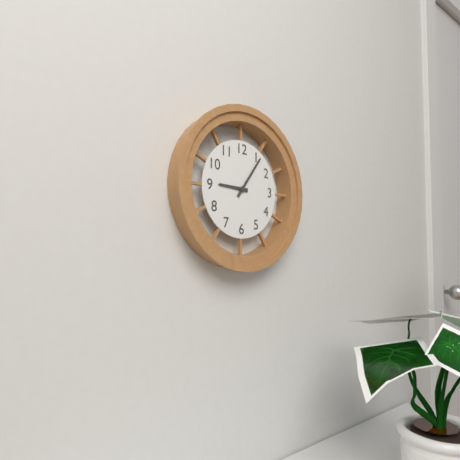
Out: h=9 m=6
